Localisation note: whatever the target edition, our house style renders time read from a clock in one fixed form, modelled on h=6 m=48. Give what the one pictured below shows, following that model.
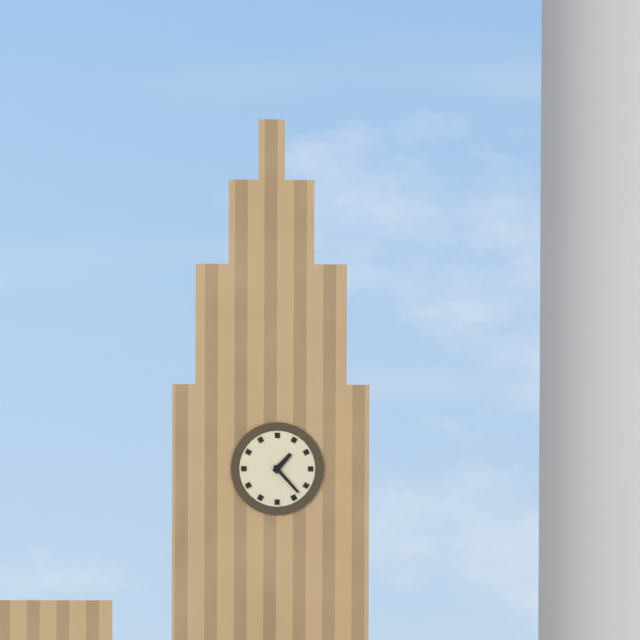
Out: h=1 m=23
